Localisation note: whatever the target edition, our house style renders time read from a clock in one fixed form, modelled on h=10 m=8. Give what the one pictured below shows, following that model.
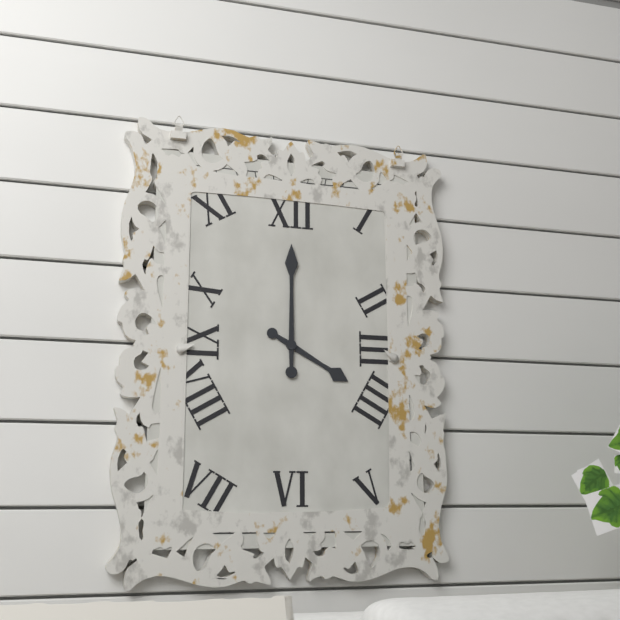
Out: h=4 m=0
